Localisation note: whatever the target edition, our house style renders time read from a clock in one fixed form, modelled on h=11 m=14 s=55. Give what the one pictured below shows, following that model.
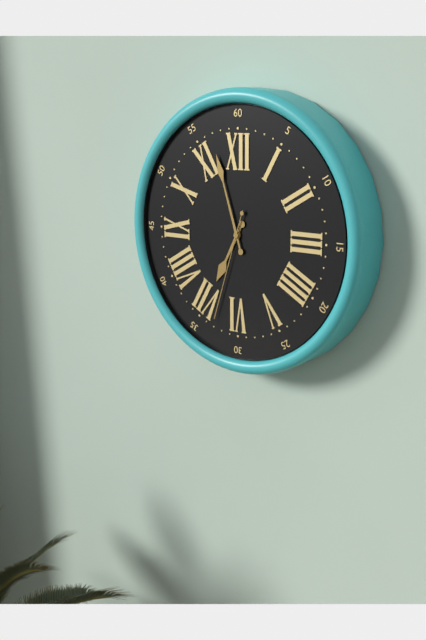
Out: h=6 m=57 s=33
